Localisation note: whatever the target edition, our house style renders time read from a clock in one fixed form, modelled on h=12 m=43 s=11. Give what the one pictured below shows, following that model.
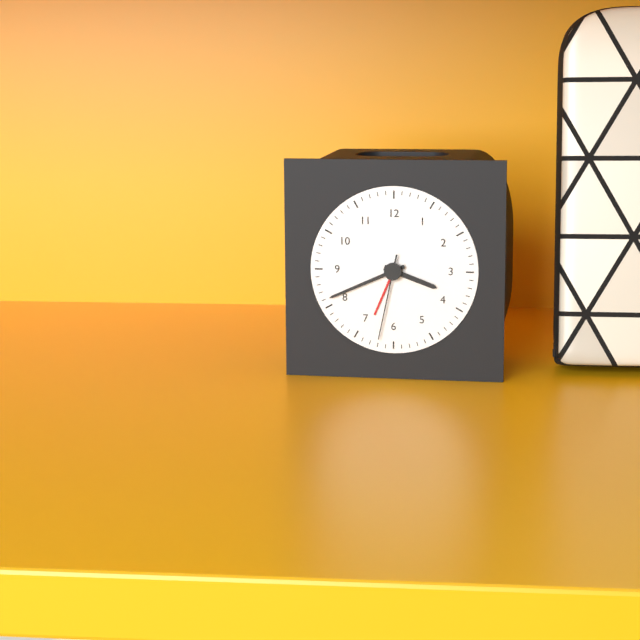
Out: h=3 m=41 s=32
